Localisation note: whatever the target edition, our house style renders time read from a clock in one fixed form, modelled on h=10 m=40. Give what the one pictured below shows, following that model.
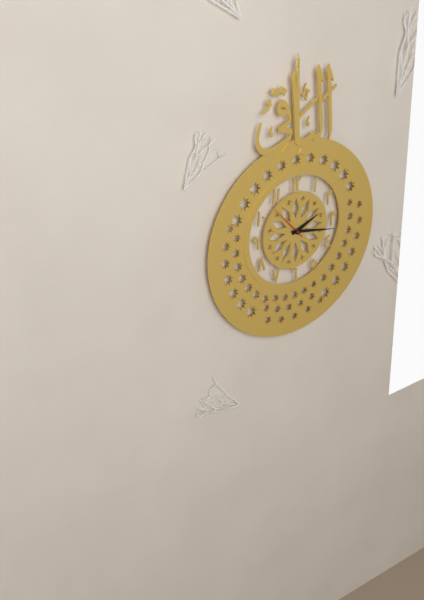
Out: h=2 m=17
